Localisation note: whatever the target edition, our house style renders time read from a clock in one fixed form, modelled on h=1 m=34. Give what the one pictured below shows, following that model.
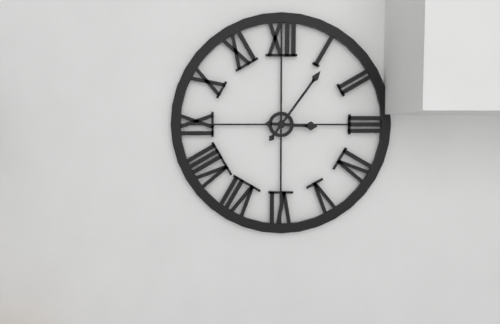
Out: h=3 m=6
